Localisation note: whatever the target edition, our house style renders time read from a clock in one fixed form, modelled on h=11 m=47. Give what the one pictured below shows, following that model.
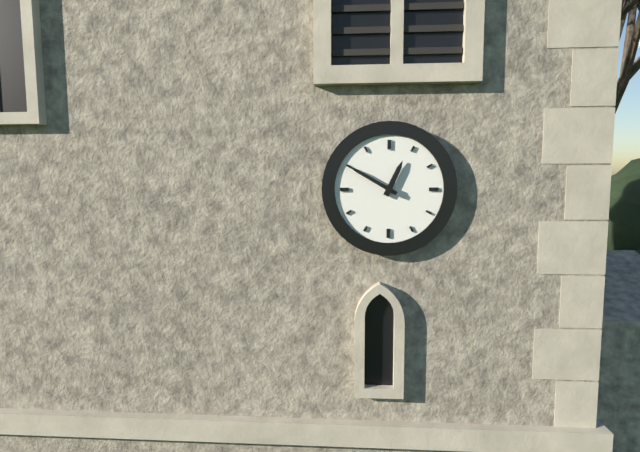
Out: h=12 m=50
